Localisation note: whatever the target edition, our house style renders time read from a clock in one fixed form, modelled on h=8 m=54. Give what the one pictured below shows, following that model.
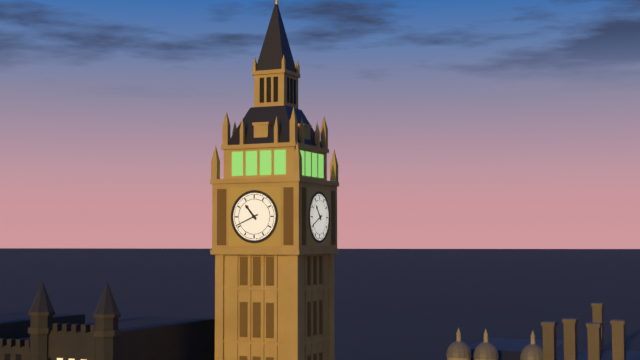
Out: h=10 m=41
